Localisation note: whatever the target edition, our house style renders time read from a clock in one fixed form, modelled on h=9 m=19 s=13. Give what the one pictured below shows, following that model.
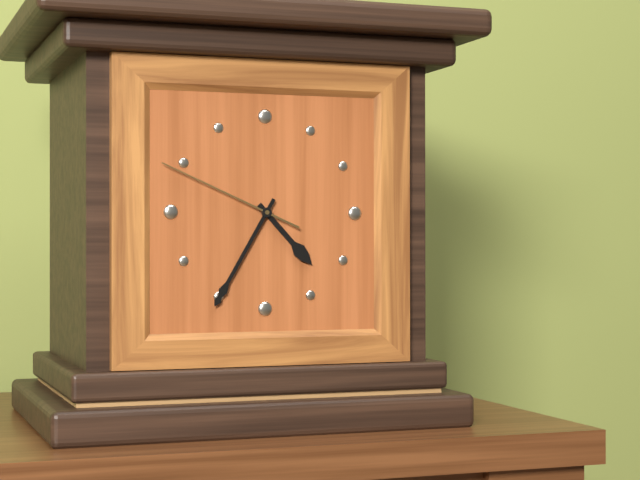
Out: h=4 m=35 s=49
